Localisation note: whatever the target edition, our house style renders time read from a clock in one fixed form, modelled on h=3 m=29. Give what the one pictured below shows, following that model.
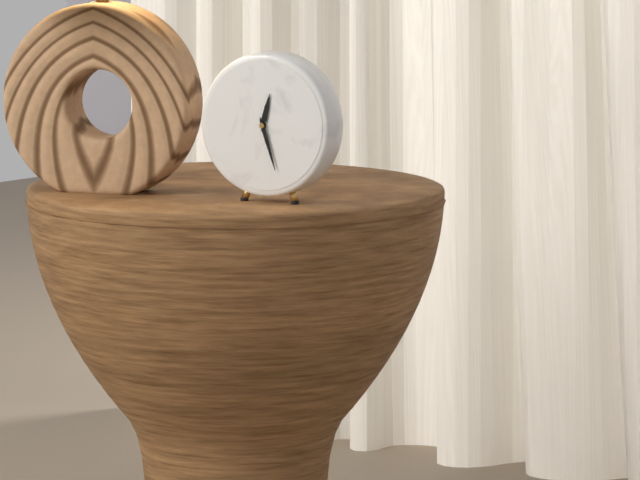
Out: h=12 m=27
